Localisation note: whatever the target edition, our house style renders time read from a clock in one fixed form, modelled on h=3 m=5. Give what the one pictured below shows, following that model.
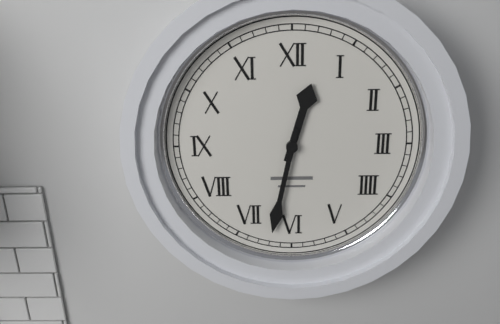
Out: h=12 m=32
